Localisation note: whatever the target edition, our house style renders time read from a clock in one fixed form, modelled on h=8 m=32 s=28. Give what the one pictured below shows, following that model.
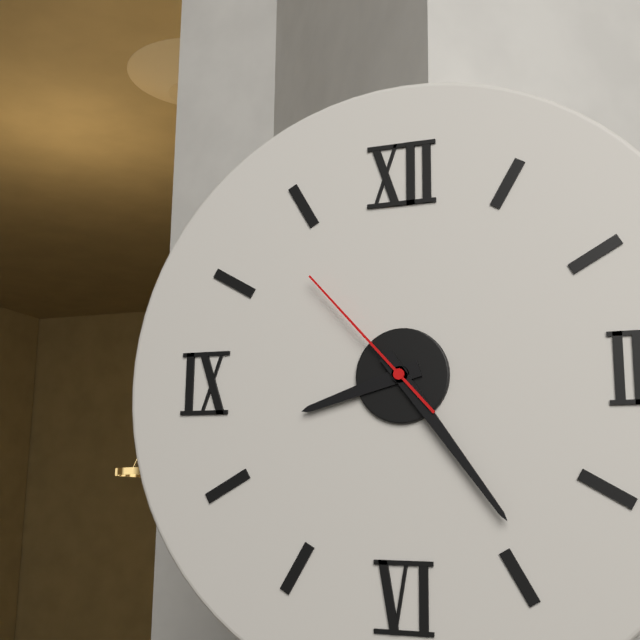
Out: h=8 m=24 s=53
